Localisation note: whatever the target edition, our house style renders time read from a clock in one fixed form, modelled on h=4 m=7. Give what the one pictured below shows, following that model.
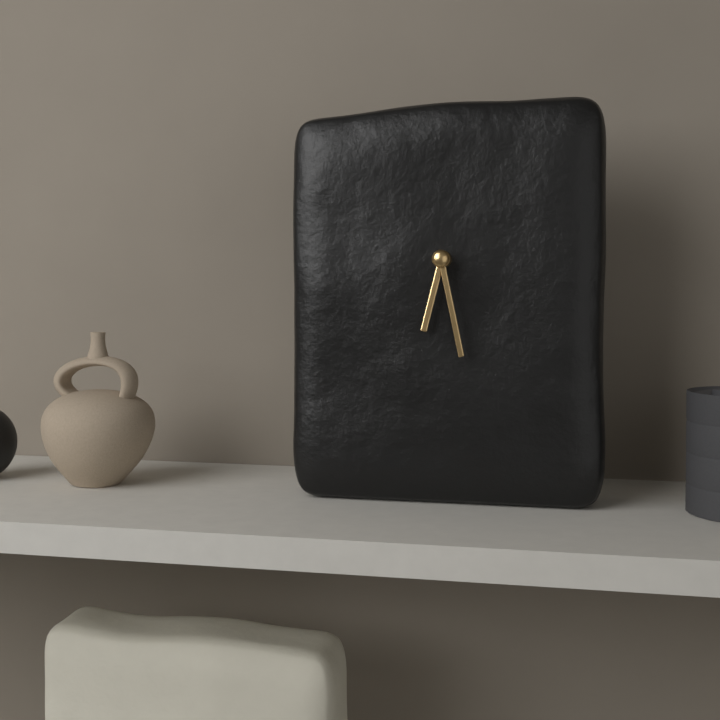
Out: h=6 m=28
